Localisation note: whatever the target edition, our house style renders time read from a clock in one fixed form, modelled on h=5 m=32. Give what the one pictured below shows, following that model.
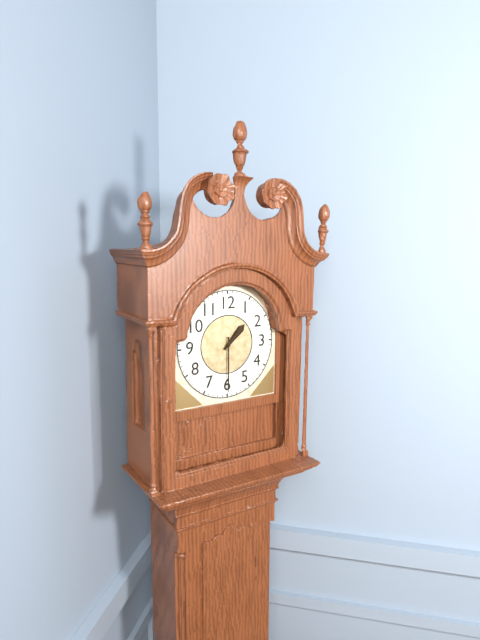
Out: h=1 m=30
